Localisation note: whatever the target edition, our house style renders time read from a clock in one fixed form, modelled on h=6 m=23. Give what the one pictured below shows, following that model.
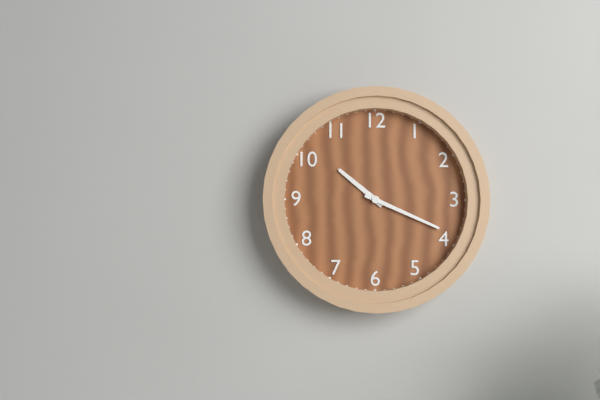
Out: h=10 m=19
